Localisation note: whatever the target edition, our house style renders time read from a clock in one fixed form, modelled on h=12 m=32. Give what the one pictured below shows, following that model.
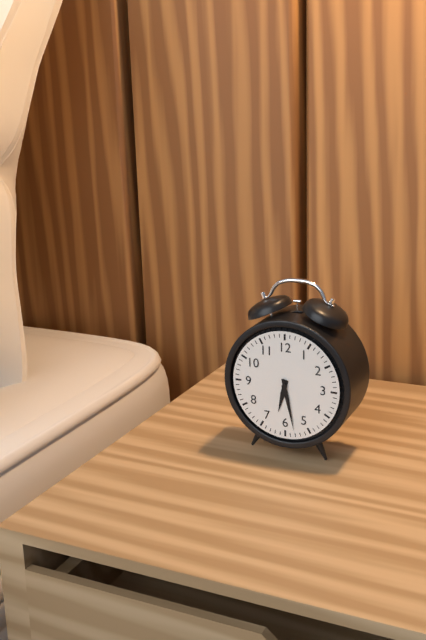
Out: h=6 m=28
